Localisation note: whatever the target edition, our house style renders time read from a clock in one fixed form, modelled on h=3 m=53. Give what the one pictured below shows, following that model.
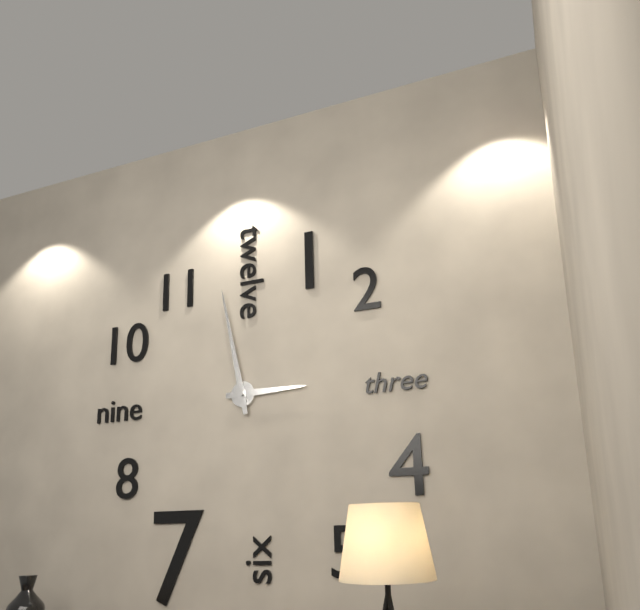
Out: h=2 m=58
